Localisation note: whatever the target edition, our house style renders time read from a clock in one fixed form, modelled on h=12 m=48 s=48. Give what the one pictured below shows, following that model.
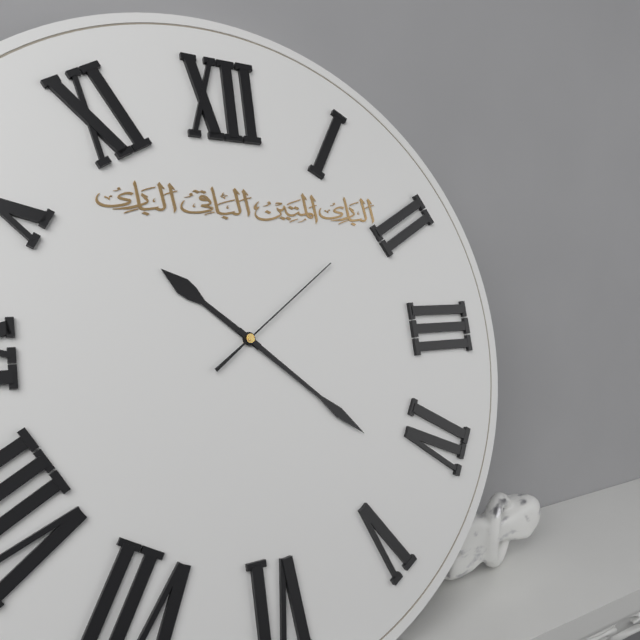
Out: h=10 m=22 s=9
